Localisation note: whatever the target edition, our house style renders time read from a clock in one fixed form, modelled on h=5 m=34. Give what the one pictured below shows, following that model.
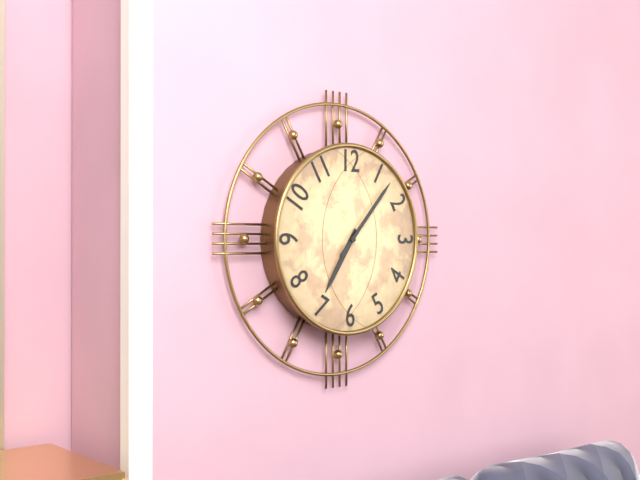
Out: h=7 m=7
